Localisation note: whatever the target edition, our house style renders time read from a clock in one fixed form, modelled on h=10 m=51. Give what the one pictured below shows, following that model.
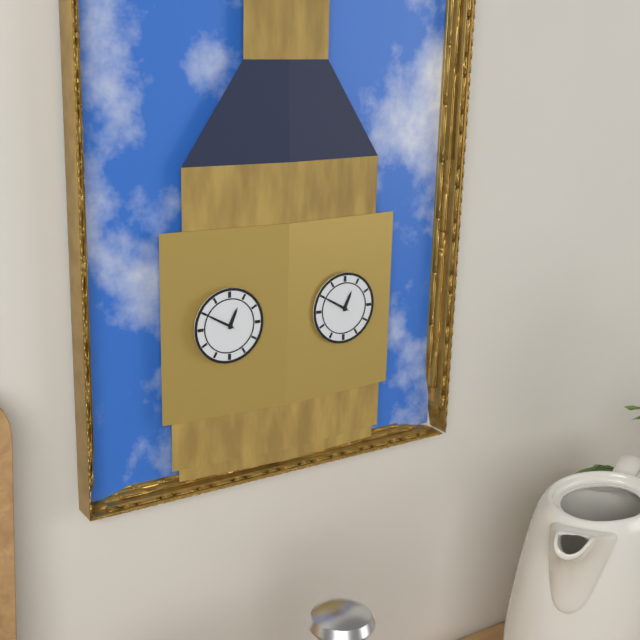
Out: h=12 m=50
